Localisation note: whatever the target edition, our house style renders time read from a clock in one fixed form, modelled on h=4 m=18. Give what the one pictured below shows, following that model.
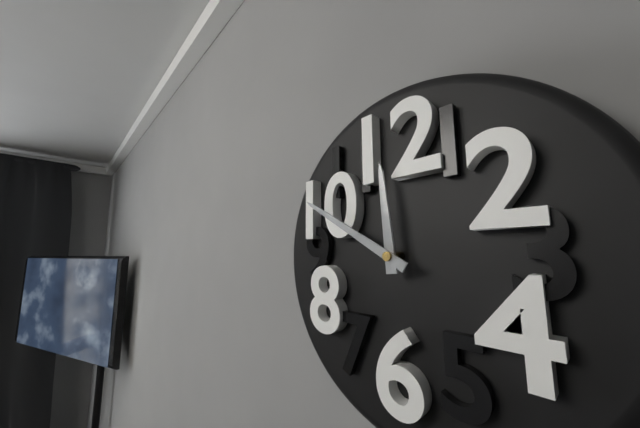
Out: h=11 m=50
